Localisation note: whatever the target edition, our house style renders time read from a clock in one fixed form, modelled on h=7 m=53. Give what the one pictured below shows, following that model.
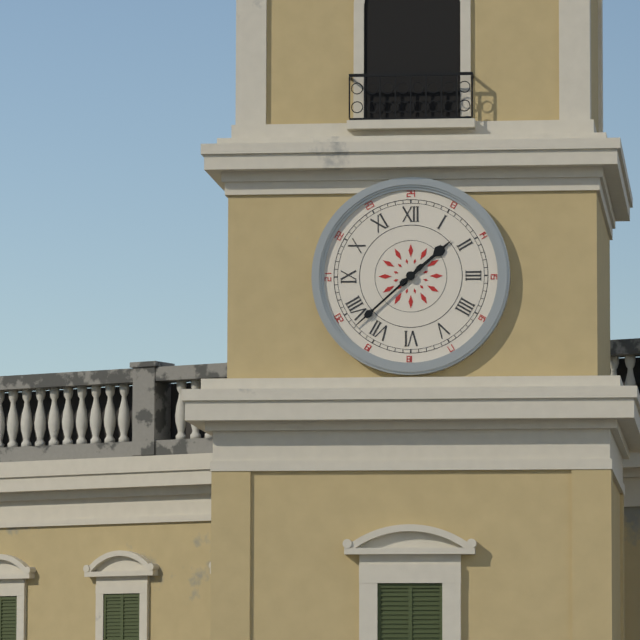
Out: h=1 m=38
